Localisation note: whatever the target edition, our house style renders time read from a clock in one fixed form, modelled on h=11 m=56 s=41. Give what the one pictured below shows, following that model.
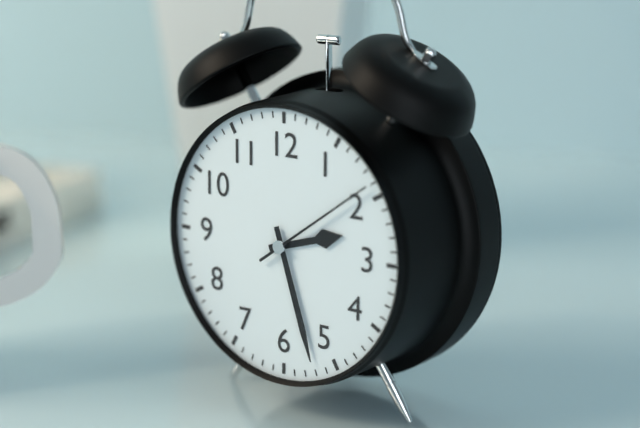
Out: h=2 m=27 s=9
